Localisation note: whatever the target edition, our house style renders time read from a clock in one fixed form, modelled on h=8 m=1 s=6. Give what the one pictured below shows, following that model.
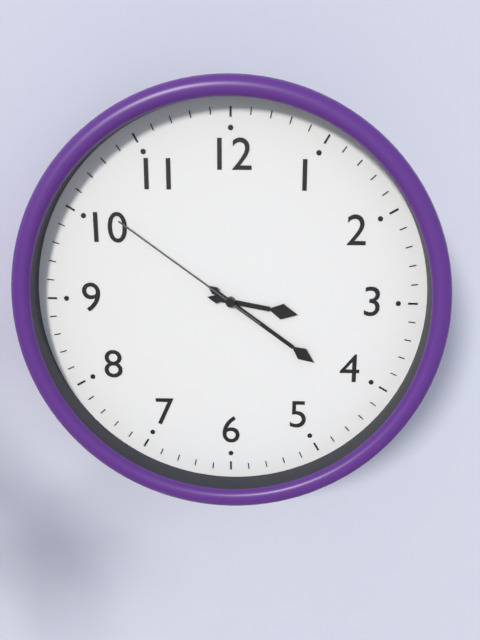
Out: h=3 m=21 s=51
